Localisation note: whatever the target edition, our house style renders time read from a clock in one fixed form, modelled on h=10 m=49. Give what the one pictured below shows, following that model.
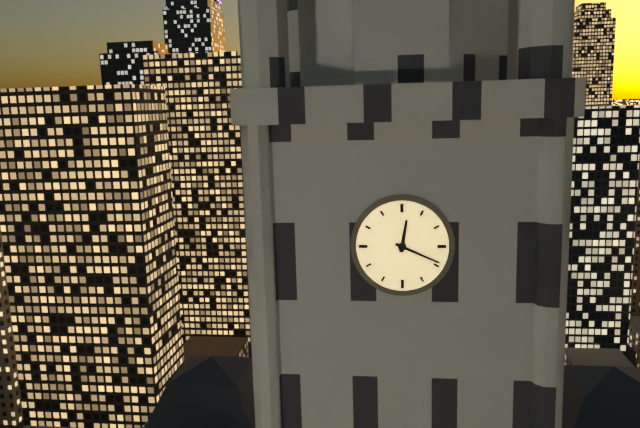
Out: h=12 m=19
